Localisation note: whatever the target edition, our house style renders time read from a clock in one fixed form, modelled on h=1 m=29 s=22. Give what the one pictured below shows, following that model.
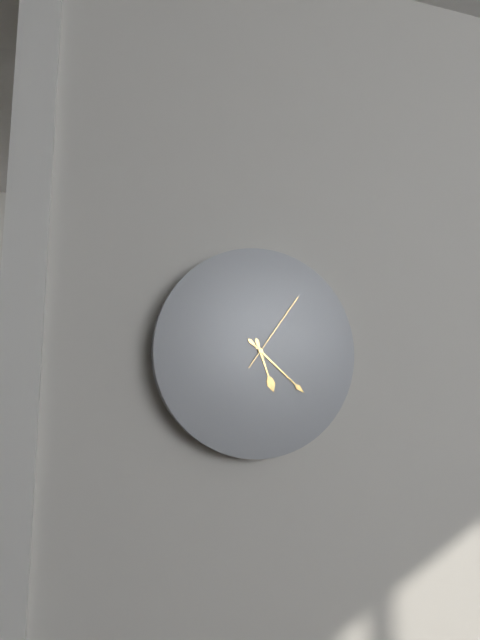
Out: h=5 m=22 s=6
